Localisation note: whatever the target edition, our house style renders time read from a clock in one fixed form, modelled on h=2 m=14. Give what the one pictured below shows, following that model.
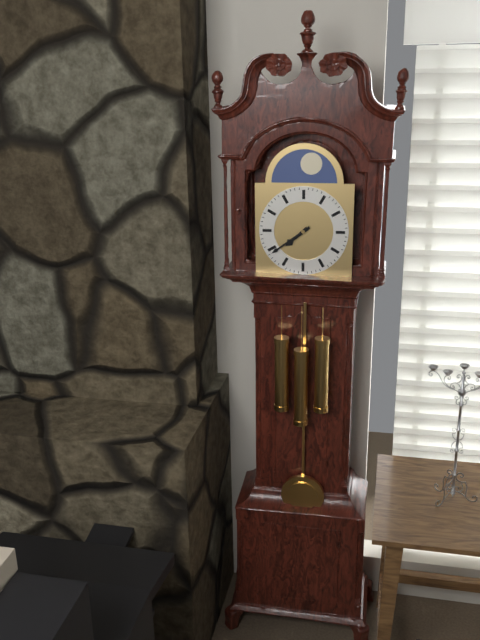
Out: h=7 m=39
